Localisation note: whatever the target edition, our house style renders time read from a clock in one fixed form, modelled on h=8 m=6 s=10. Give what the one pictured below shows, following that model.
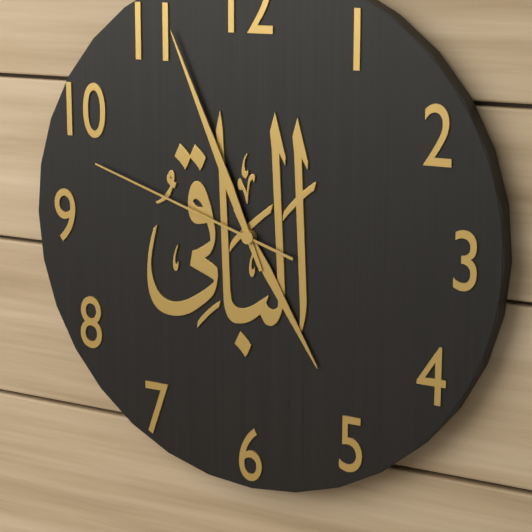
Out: h=4 m=56 s=48
